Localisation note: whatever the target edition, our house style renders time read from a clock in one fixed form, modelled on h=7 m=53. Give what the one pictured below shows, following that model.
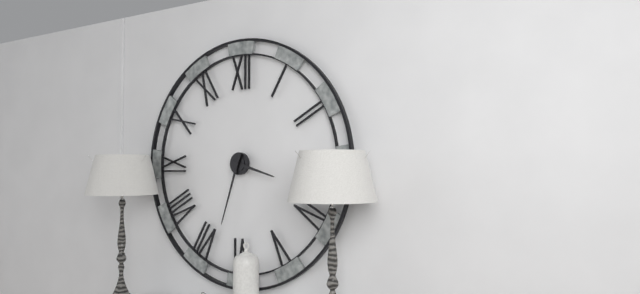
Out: h=3 m=33
